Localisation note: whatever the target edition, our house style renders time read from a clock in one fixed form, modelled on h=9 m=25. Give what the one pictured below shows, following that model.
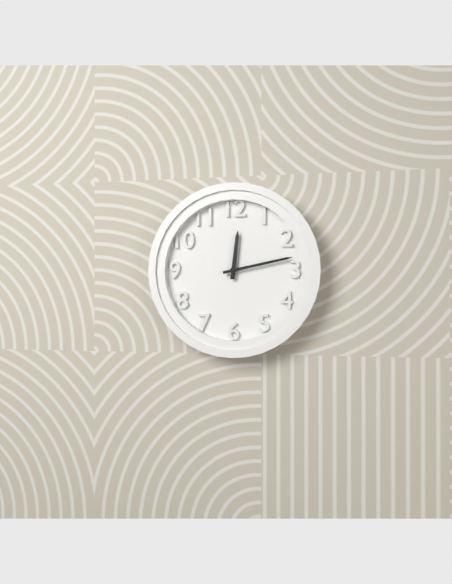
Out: h=12 m=13
